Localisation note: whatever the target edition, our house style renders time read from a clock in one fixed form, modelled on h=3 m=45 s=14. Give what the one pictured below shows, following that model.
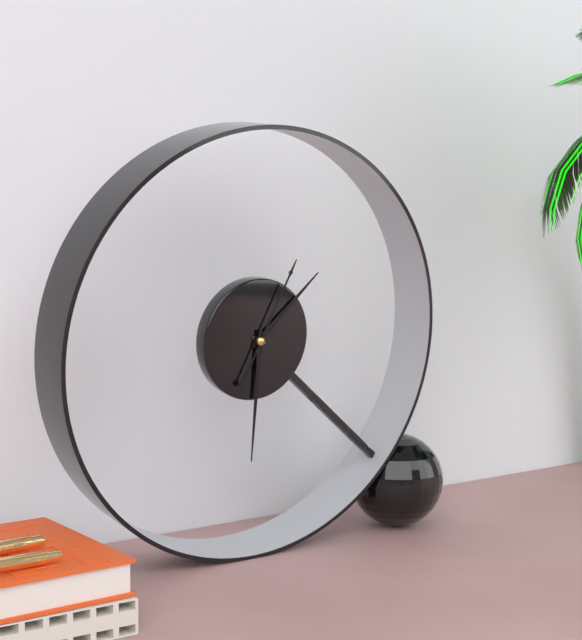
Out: h=1 m=30 s=4
